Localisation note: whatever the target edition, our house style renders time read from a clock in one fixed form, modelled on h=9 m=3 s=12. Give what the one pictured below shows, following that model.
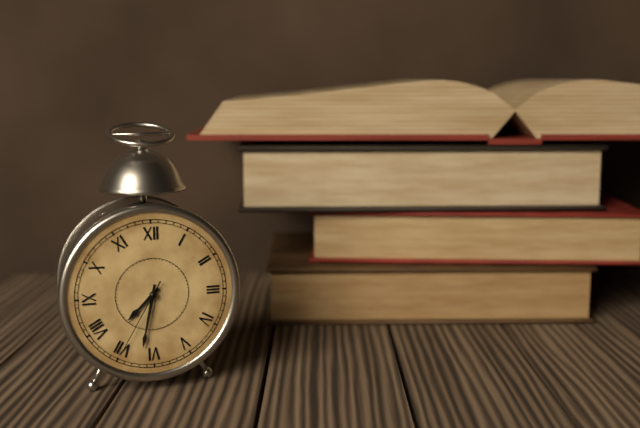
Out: h=7 m=32 s=35
